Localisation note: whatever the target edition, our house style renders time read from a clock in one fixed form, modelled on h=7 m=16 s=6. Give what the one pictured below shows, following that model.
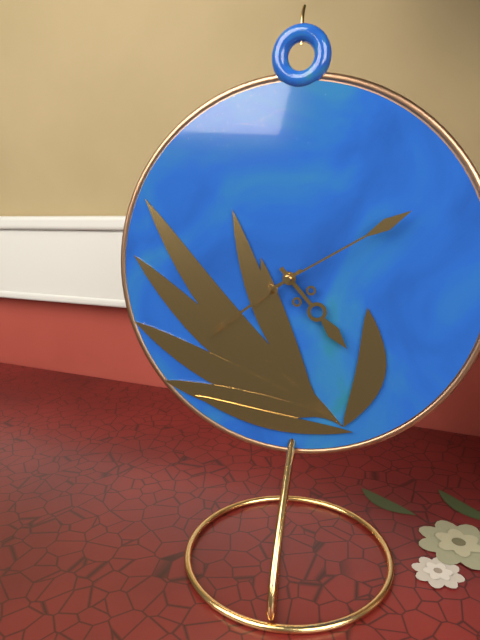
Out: h=4 m=39 s=10
